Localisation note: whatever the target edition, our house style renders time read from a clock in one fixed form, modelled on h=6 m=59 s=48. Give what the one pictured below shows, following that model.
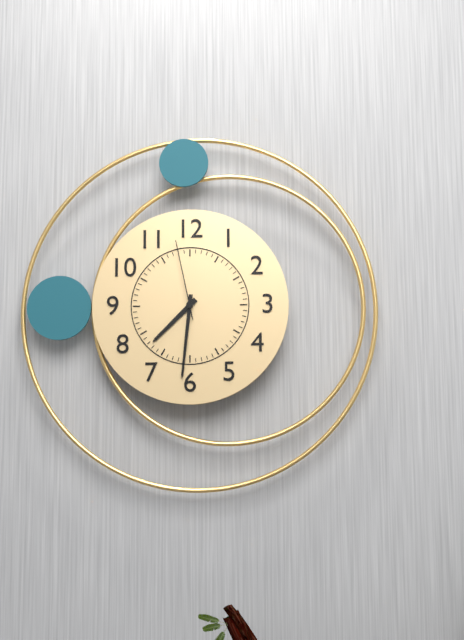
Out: h=7 m=31 s=58
